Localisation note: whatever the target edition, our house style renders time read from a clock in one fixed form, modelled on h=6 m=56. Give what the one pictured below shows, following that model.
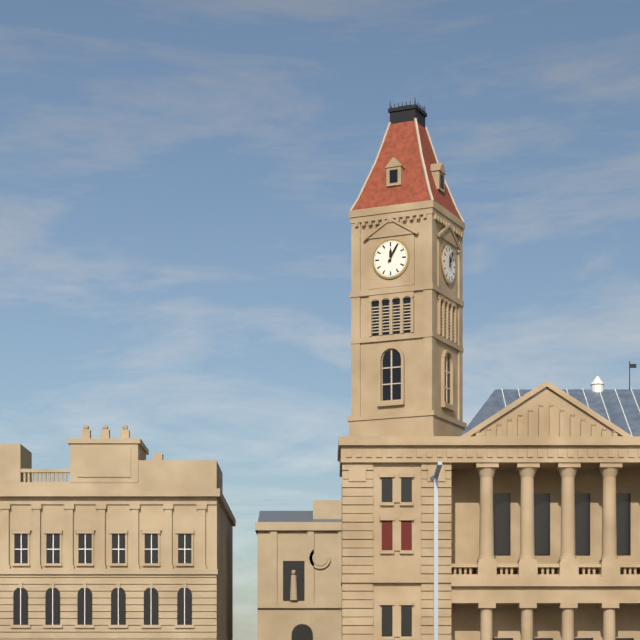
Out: h=12 m=5
